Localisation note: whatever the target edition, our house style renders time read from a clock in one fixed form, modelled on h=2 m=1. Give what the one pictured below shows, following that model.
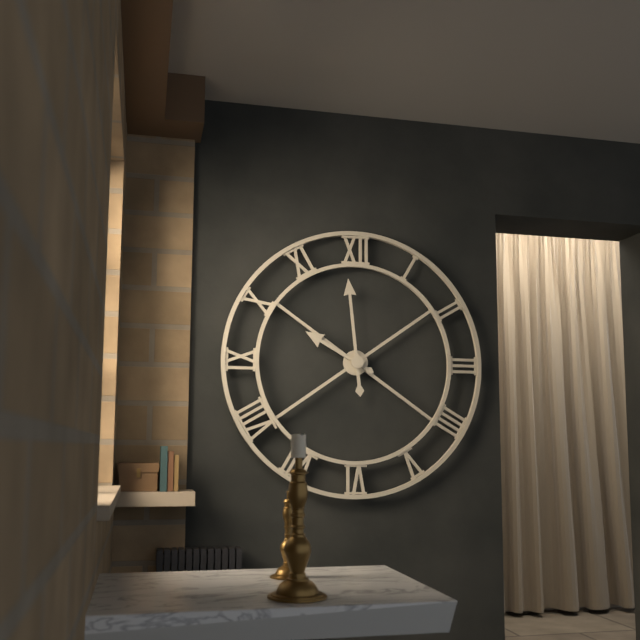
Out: h=9 m=59
